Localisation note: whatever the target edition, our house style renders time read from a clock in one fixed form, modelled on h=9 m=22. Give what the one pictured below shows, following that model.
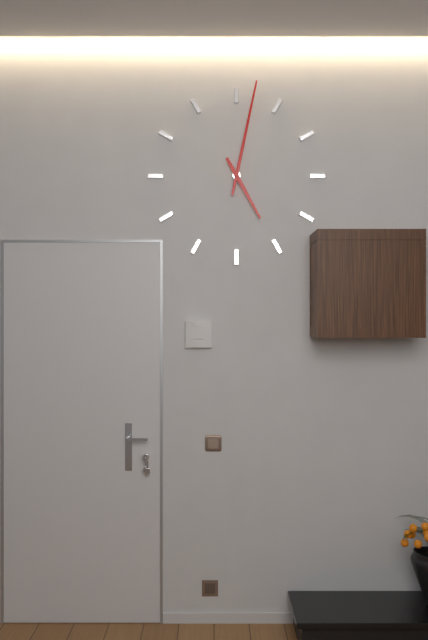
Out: h=5 m=2
